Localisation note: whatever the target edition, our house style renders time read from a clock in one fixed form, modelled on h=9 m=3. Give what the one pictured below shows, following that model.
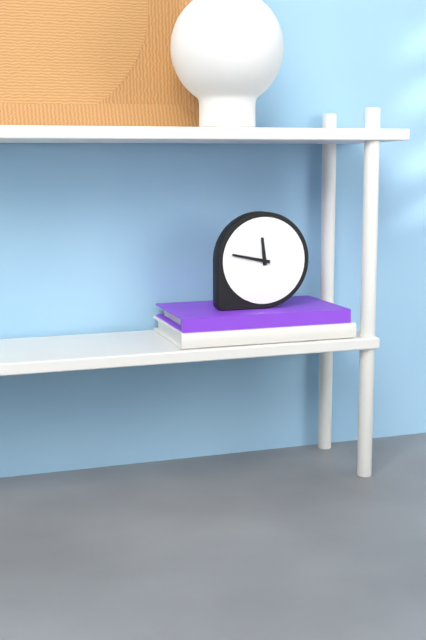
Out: h=11 m=47
